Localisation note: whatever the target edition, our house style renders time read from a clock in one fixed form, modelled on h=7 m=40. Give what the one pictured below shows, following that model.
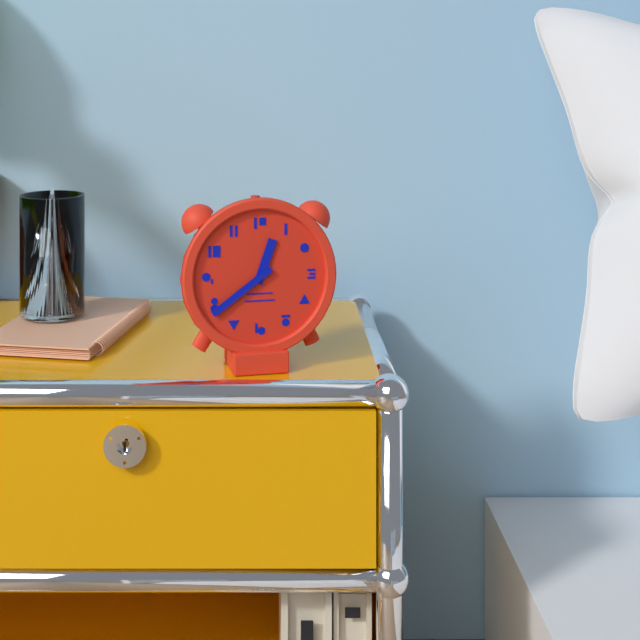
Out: h=12 m=39
